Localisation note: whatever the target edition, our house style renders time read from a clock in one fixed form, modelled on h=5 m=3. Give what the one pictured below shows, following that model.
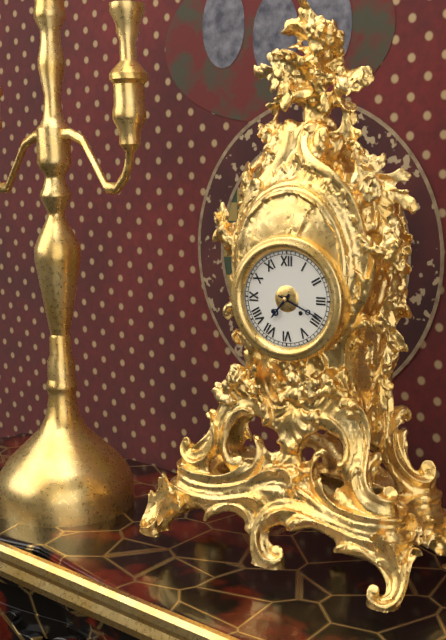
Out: h=7 m=19
